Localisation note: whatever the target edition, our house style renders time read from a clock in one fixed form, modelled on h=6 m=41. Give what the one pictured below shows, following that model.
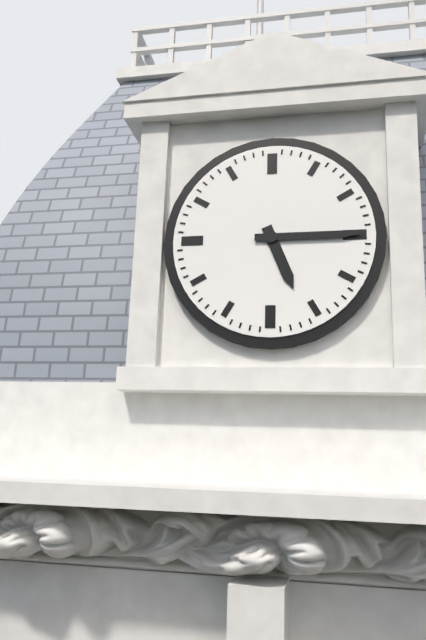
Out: h=5 m=15
